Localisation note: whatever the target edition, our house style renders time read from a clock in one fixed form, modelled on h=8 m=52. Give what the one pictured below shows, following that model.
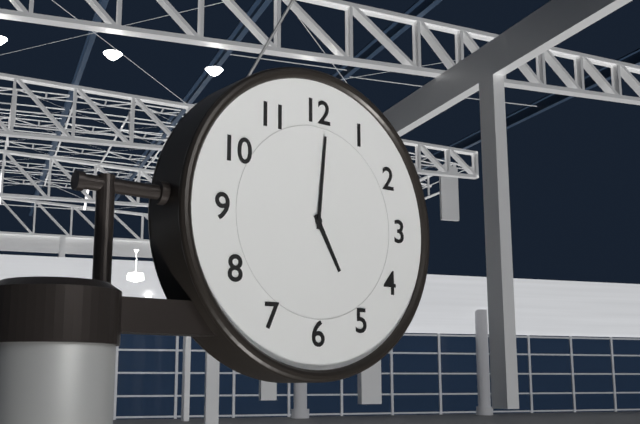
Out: h=5 m=1
